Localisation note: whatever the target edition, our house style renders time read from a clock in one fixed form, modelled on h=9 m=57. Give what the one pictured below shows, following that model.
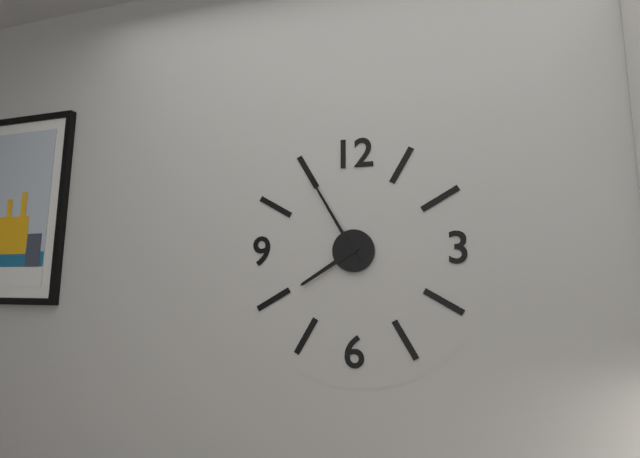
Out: h=7 m=55
